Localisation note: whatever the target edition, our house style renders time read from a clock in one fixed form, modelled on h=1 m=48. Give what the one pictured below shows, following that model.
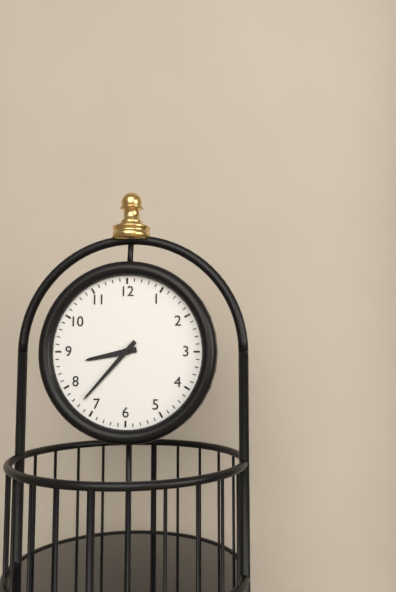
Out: h=8 m=37
